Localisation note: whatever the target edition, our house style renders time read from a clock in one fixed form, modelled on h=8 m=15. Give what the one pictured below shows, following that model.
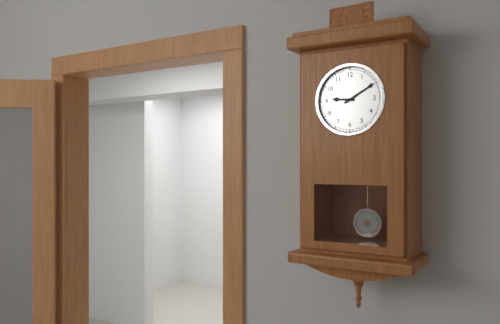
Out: h=9 m=10
